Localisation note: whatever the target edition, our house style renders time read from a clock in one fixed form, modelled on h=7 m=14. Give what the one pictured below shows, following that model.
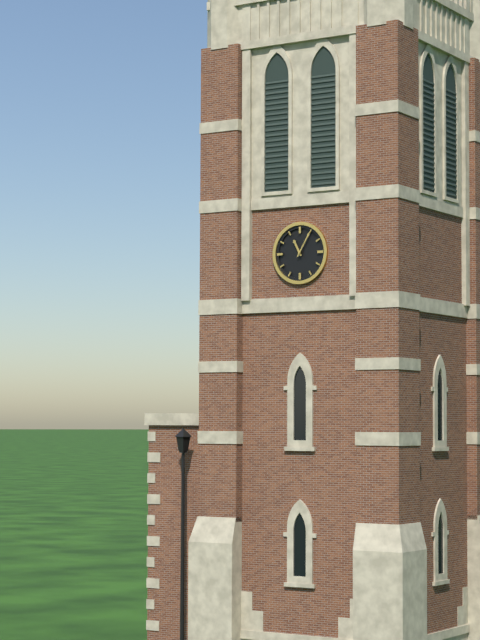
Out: h=11 m=5
